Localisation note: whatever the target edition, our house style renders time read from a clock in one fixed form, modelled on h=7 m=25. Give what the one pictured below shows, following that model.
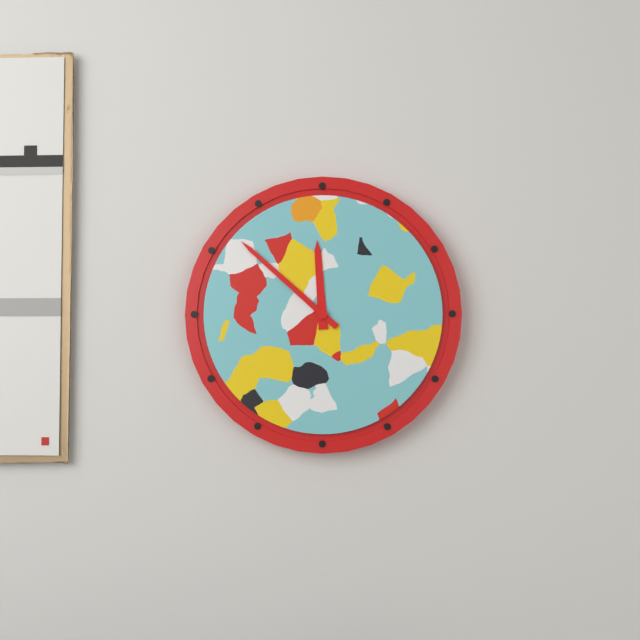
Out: h=11 m=52
